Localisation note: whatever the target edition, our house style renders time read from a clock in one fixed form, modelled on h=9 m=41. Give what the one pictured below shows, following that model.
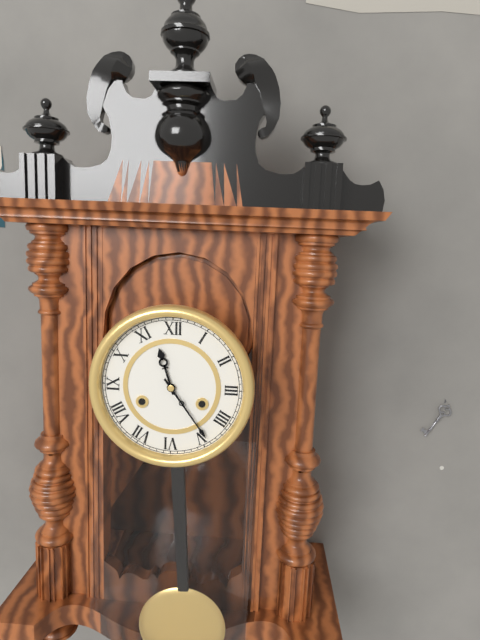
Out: h=11 m=24
